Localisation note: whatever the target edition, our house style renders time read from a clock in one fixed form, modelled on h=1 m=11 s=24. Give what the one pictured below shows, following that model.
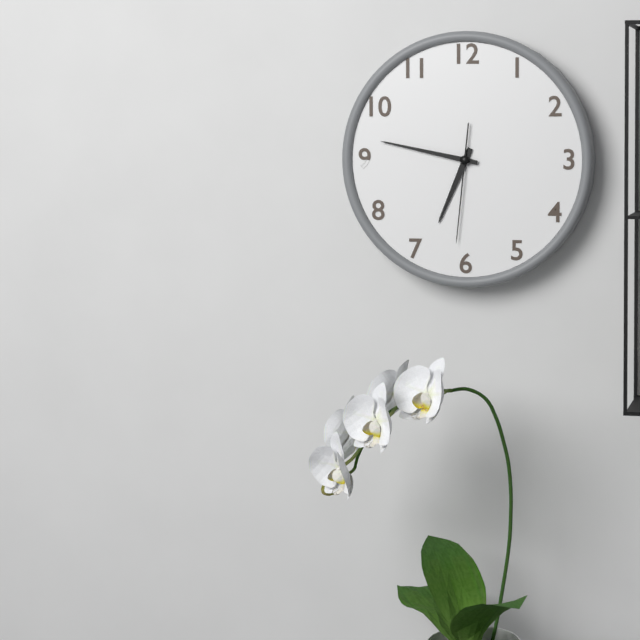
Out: h=6 m=47 s=31
